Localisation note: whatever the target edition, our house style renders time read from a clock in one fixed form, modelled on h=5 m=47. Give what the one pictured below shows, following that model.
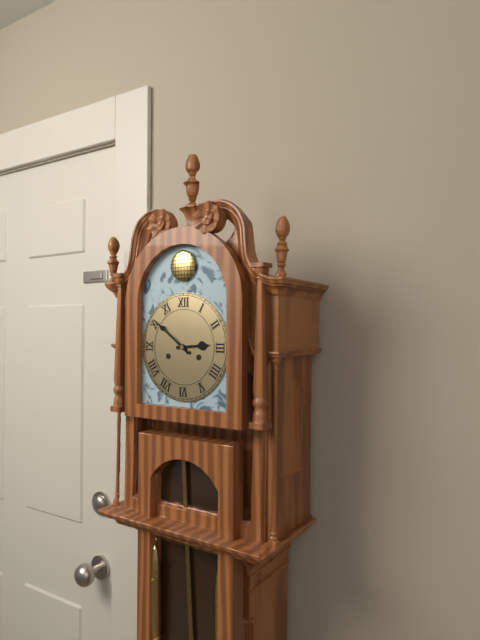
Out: h=2 m=51
